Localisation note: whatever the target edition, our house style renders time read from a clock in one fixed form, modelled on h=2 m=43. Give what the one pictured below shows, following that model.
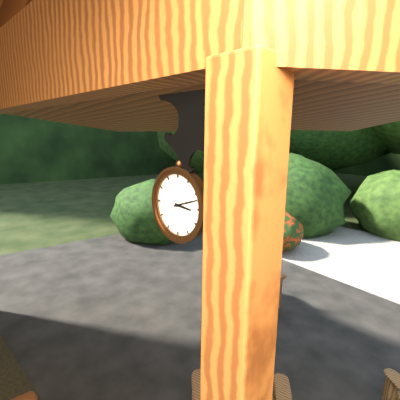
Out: h=3 m=12
